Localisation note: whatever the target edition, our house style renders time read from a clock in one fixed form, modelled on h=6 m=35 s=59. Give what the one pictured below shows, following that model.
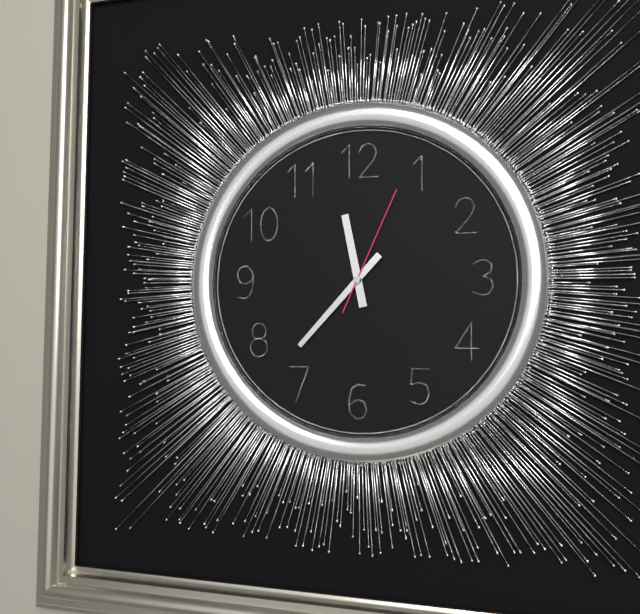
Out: h=11 m=37 s=4
